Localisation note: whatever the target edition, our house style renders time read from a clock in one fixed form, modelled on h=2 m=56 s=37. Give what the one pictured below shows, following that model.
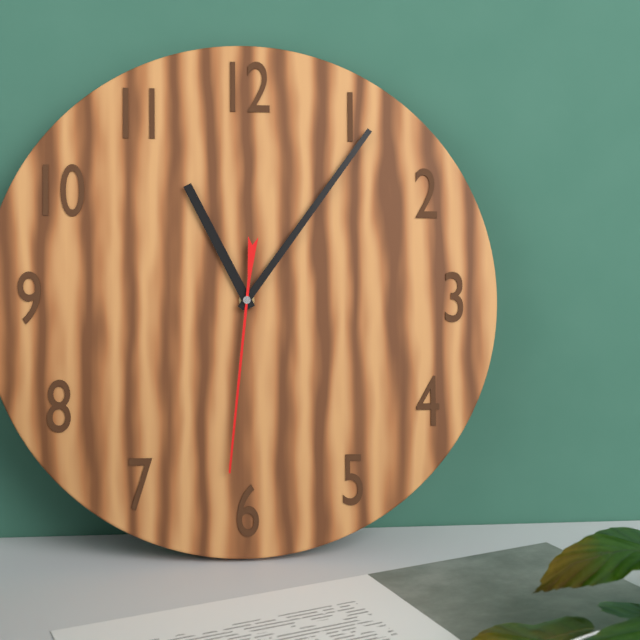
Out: h=11 m=6 s=31
